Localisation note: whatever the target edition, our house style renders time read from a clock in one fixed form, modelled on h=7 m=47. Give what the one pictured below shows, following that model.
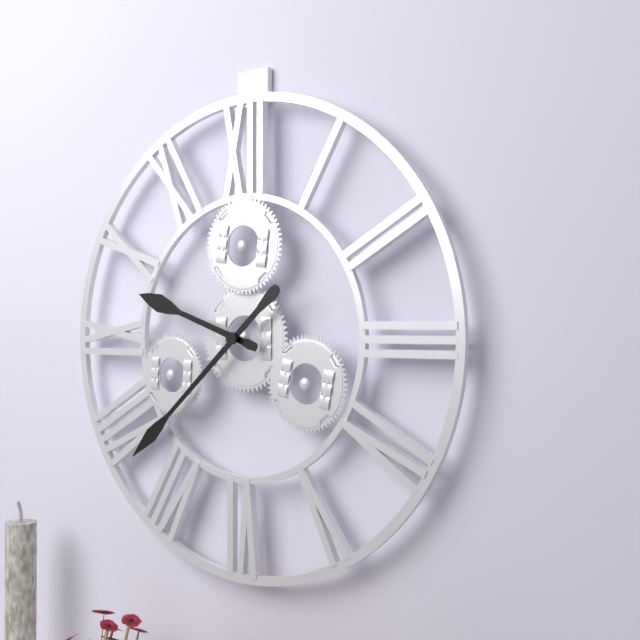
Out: h=9 m=38
